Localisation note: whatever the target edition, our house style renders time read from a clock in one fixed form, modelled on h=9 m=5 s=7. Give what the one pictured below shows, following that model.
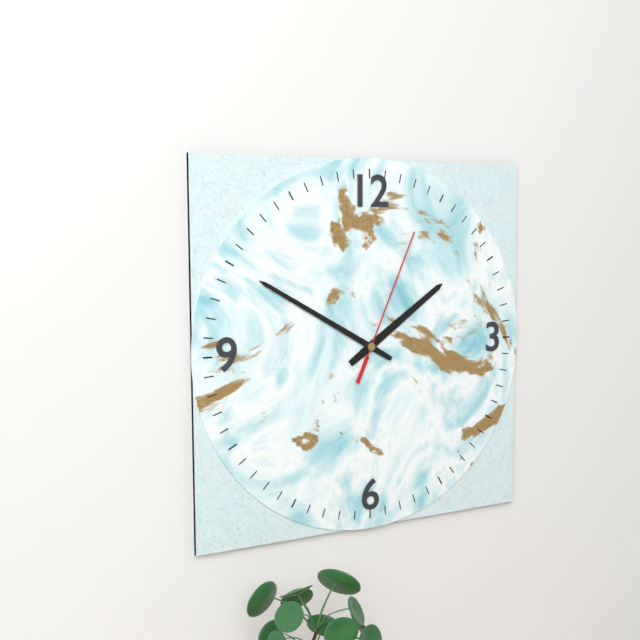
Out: h=1 m=50 s=4
